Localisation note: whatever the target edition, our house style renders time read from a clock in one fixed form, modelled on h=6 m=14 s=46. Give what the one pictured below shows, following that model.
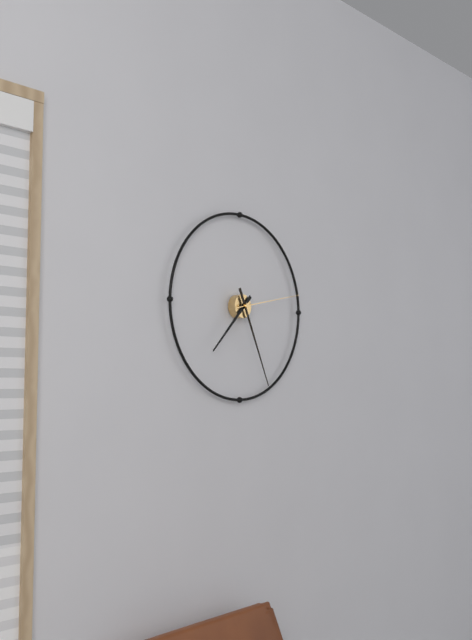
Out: h=7 m=26 s=13
